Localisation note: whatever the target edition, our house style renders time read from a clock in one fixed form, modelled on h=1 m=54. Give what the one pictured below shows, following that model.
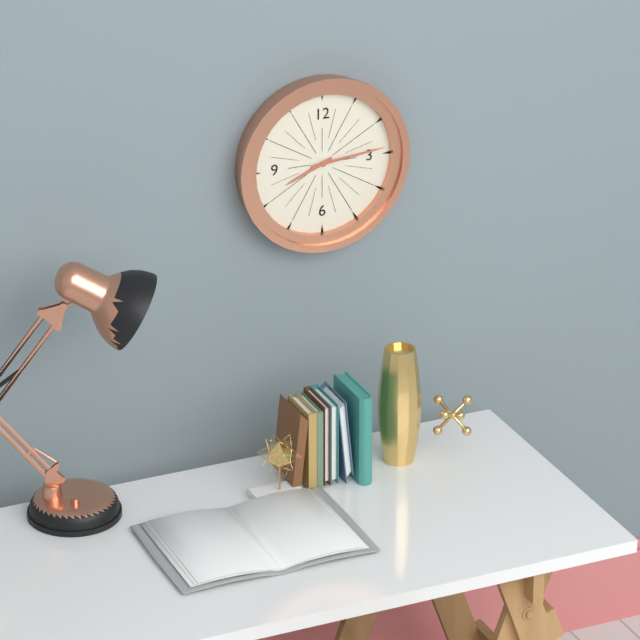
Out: h=8 m=14
